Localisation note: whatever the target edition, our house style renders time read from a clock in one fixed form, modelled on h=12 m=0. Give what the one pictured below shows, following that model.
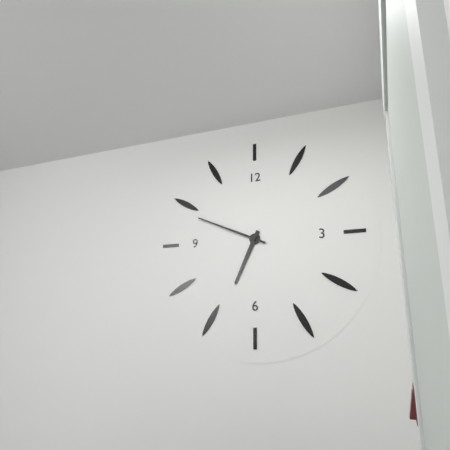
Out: h=6 m=49
